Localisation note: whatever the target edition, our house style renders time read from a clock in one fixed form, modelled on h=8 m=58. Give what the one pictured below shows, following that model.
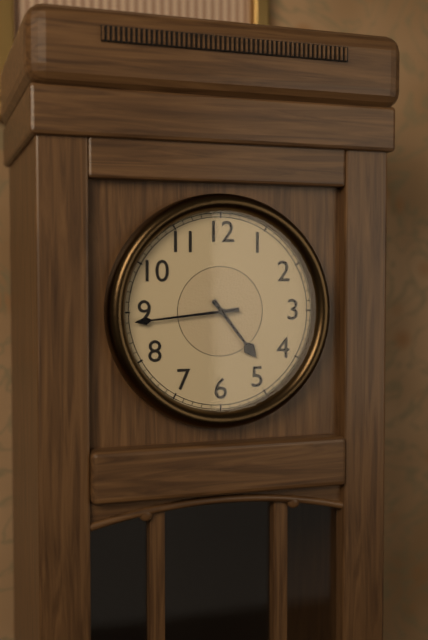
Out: h=4 m=44
